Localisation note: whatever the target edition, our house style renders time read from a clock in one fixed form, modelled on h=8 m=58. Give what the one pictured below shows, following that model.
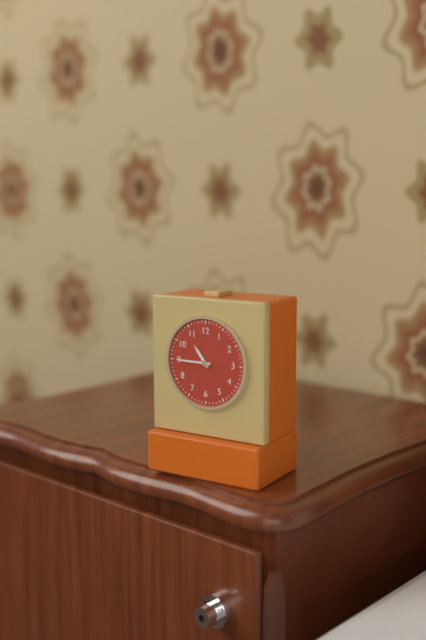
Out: h=10 m=45
